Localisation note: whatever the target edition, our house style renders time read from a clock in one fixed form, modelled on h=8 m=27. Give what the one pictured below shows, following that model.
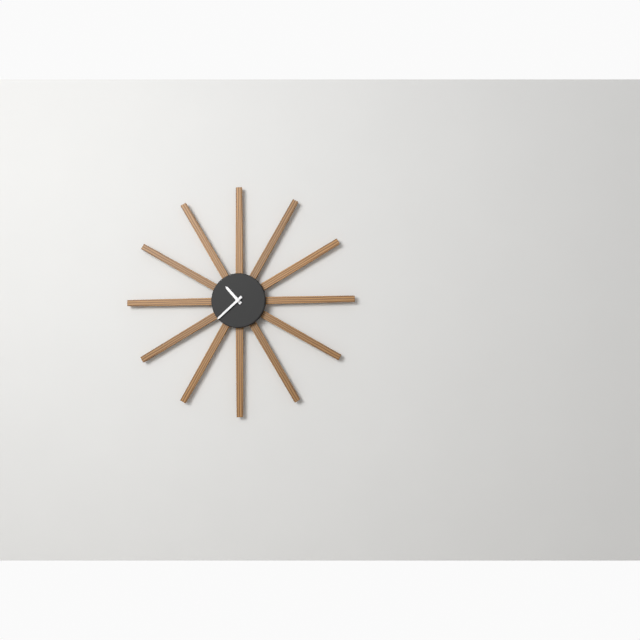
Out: h=10 m=38
